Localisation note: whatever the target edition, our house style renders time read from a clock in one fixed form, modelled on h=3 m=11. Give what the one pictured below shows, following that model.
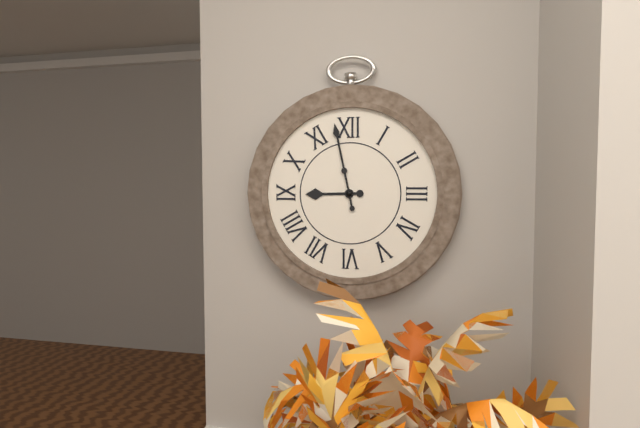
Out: h=8 m=58
